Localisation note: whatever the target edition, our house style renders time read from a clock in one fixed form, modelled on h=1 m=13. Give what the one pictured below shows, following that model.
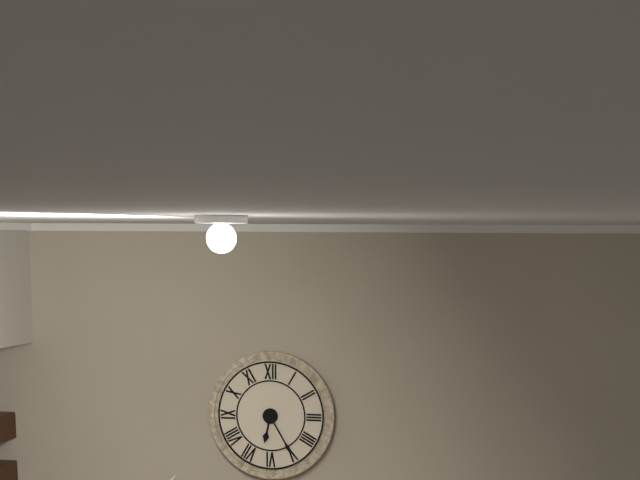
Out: h=6 m=25
